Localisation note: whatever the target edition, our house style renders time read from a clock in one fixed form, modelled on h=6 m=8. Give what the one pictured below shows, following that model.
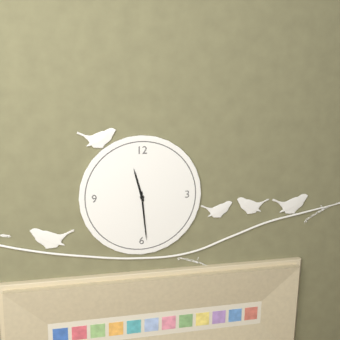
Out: h=11 m=29
